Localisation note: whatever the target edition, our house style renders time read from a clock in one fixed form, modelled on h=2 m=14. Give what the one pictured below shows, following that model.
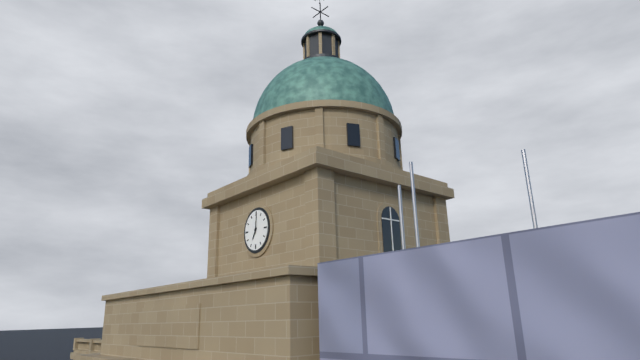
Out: h=7 m=1
